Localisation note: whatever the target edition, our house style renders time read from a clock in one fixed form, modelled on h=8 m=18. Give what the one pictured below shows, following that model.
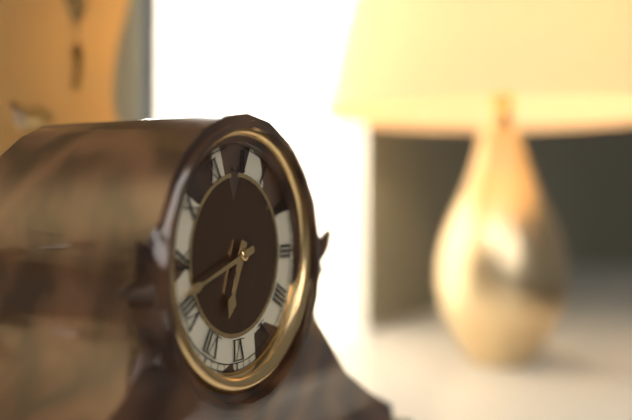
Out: h=6 m=42
